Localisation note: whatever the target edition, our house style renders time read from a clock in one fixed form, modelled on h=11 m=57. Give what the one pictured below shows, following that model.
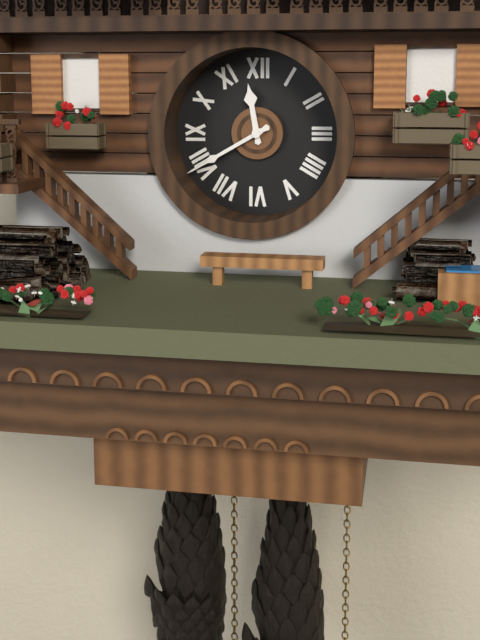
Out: h=11 m=40
